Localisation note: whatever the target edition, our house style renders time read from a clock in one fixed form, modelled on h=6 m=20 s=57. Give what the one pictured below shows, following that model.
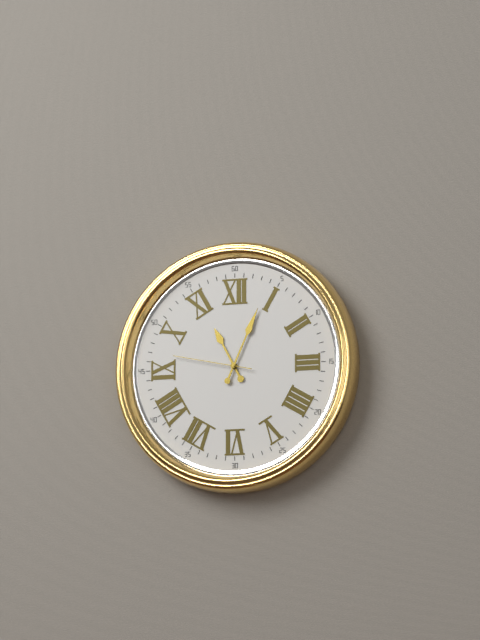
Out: h=11 m=4 s=47
